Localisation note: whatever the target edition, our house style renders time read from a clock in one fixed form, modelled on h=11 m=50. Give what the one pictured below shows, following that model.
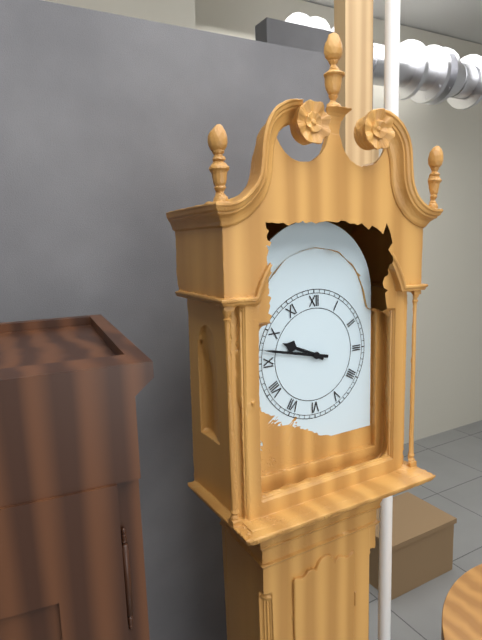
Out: h=9 m=47
